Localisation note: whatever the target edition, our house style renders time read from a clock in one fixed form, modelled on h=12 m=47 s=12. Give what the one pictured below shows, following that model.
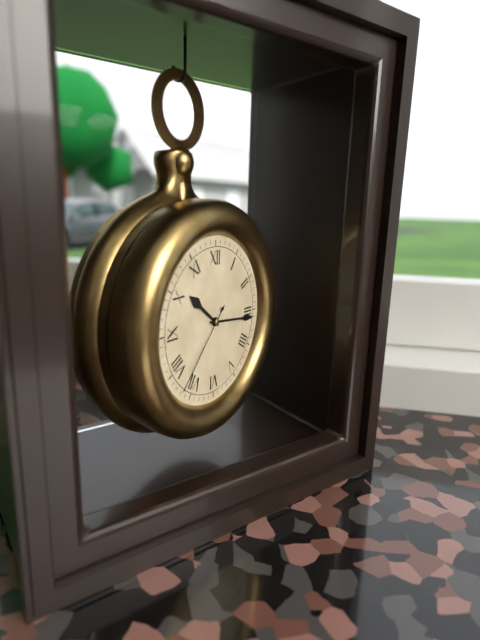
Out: h=10 m=16 s=37
